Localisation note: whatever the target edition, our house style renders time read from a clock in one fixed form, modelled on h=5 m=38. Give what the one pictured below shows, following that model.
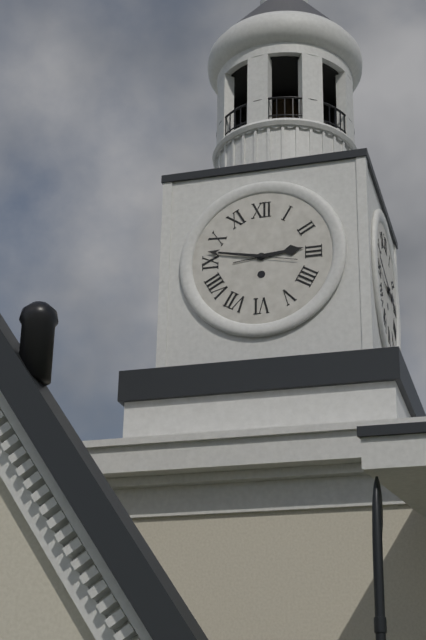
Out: h=2 m=47
